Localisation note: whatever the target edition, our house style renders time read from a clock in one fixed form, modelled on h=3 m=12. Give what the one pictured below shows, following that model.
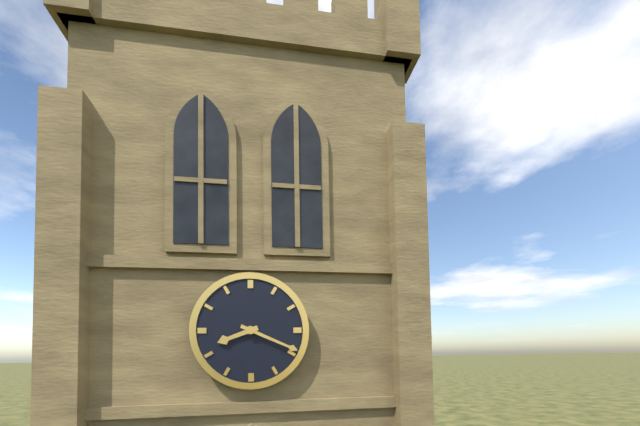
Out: h=8 m=19
